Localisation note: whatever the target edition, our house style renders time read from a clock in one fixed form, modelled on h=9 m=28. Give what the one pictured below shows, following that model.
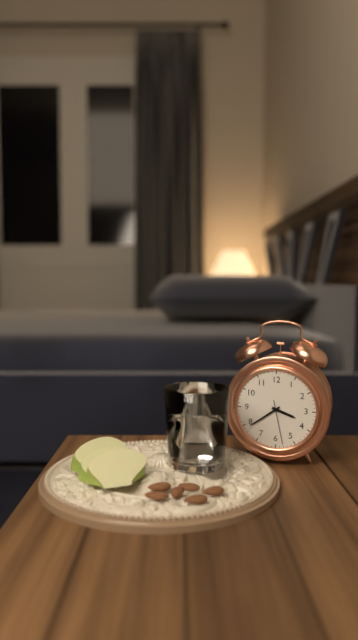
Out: h=3 m=39
